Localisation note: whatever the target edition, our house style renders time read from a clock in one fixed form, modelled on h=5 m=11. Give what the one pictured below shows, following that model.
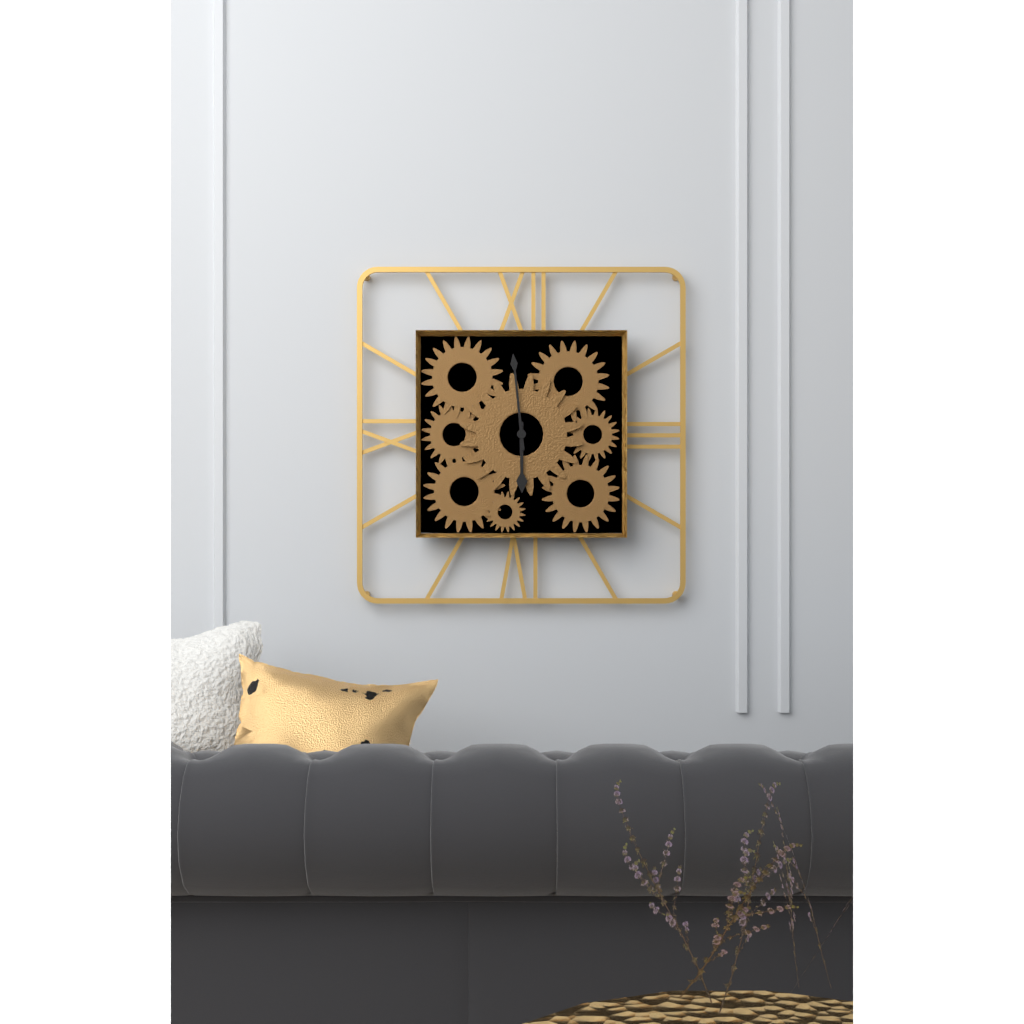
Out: h=5 m=59
